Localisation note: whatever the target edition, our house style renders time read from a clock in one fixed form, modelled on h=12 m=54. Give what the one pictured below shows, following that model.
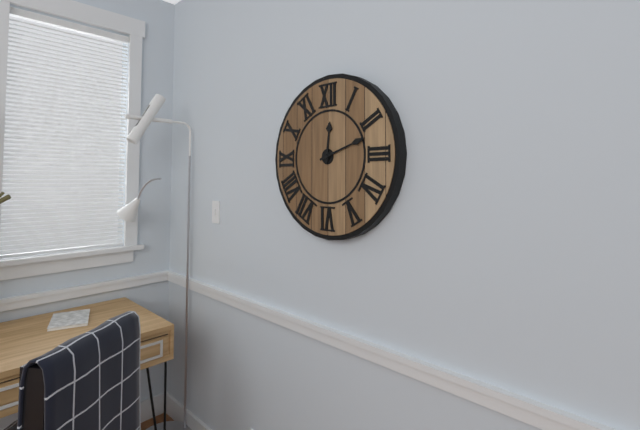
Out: h=12 m=12
